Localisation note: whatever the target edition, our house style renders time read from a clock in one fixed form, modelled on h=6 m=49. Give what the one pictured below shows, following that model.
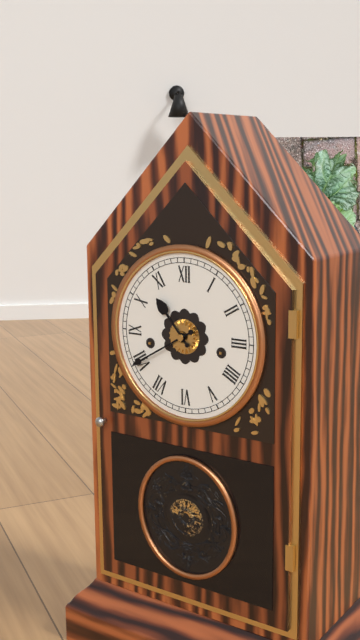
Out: h=10 m=40
